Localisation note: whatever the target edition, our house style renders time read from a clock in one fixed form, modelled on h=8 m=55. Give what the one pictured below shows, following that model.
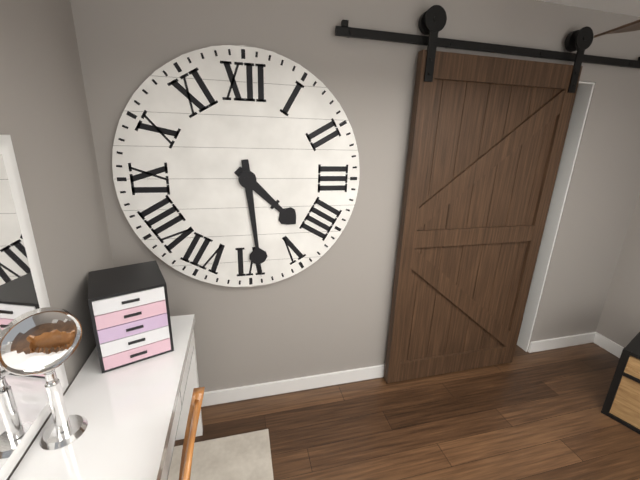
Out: h=4 m=29
